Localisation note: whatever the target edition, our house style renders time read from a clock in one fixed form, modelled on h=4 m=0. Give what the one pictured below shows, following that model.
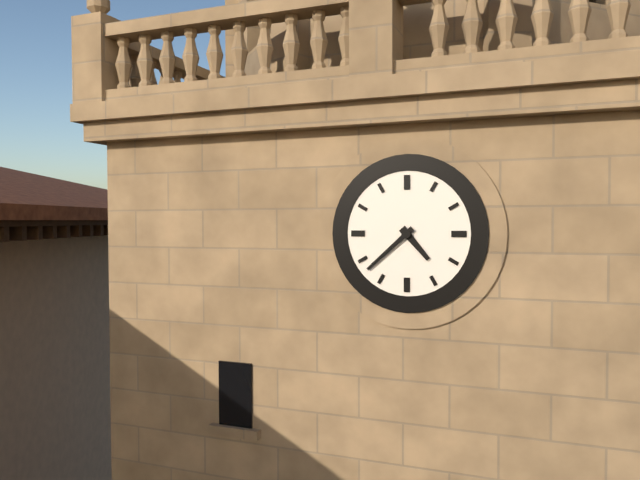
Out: h=4 m=38
